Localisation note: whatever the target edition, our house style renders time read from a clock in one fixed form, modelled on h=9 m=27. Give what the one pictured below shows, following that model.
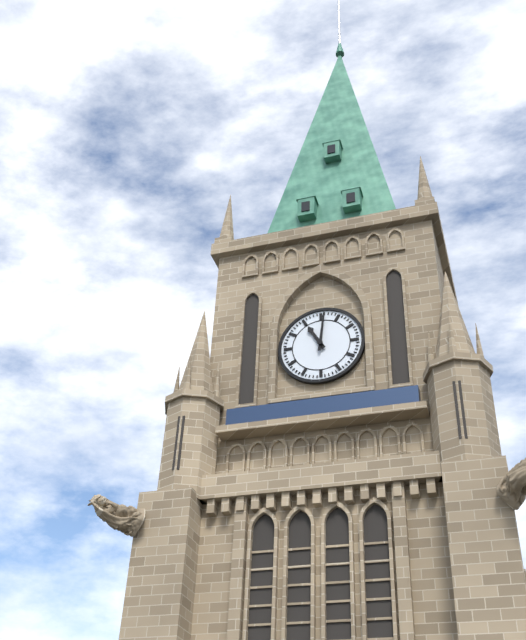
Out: h=11 m=1
